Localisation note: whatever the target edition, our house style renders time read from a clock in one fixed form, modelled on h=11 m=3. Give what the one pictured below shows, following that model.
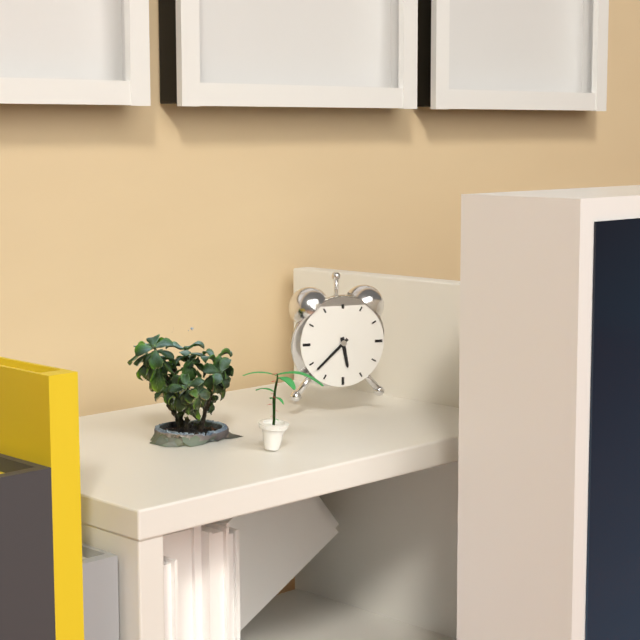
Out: h=5 m=38
